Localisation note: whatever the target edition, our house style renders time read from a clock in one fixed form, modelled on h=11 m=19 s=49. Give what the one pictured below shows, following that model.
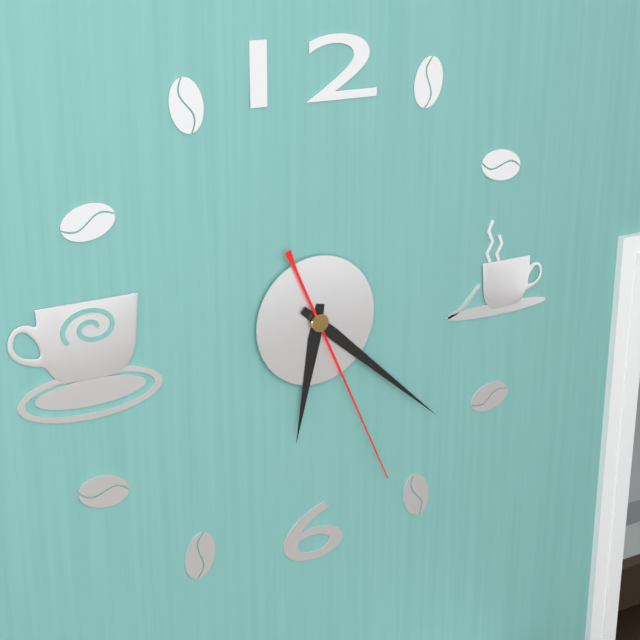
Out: h=6 m=22 s=26
